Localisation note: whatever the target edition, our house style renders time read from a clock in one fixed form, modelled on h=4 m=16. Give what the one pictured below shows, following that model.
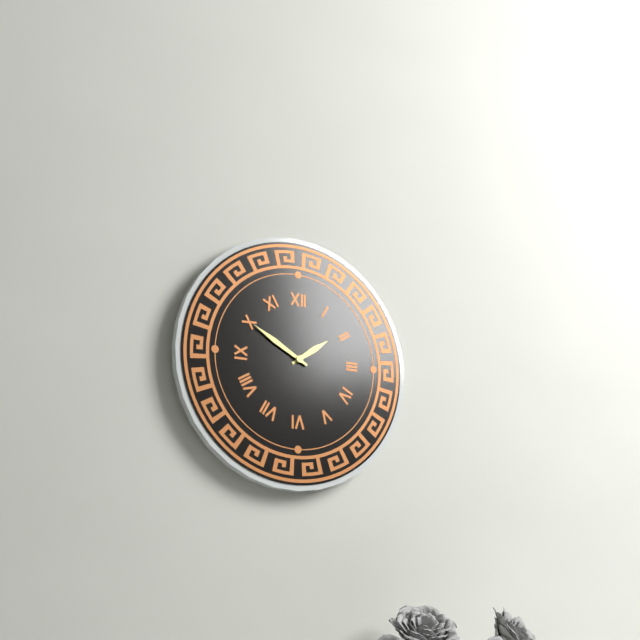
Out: h=1 m=50
